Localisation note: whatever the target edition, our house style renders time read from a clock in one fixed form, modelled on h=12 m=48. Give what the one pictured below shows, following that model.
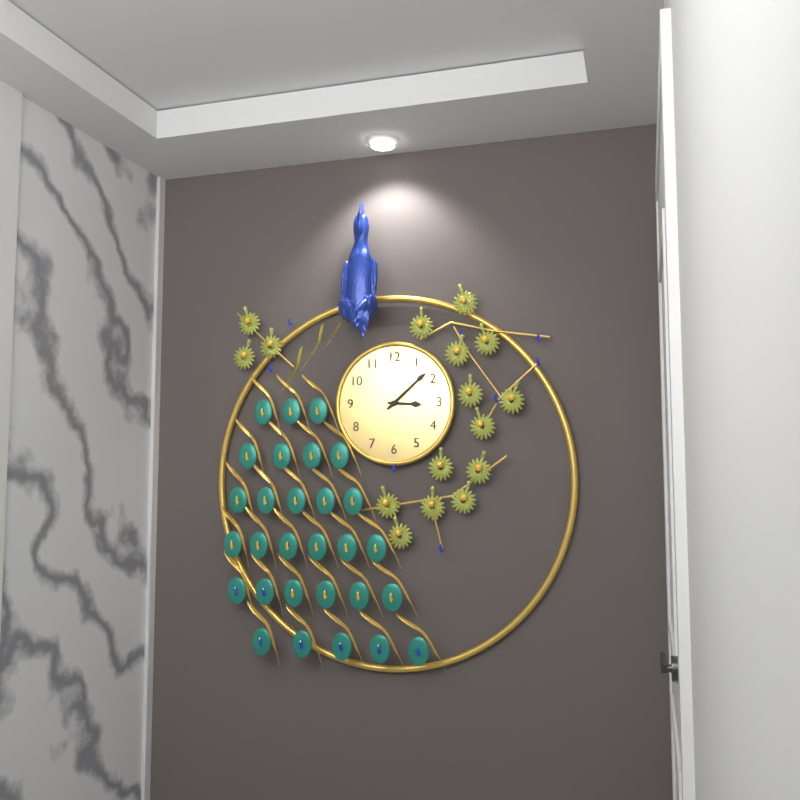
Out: h=3 m=8
